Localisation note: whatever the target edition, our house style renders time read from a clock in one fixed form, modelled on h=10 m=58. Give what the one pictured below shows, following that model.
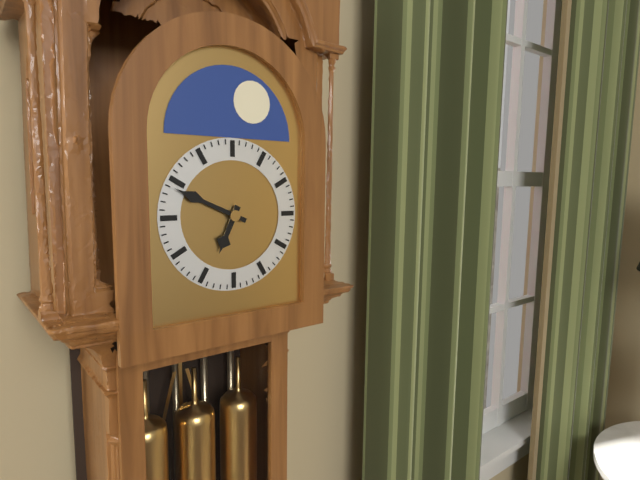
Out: h=6 m=49
